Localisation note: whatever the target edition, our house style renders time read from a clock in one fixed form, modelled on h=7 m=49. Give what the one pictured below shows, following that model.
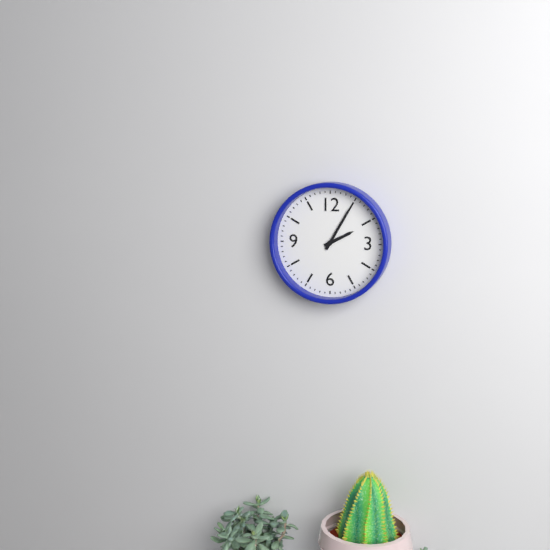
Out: h=2 m=5
